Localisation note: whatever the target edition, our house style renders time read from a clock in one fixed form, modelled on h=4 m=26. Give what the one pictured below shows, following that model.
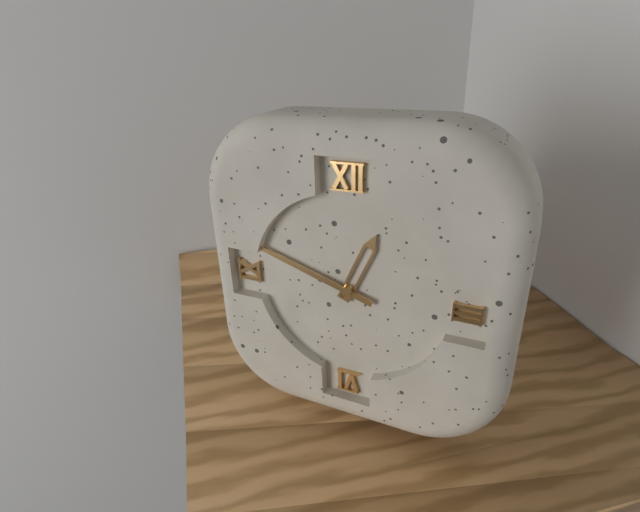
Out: h=12 m=48
